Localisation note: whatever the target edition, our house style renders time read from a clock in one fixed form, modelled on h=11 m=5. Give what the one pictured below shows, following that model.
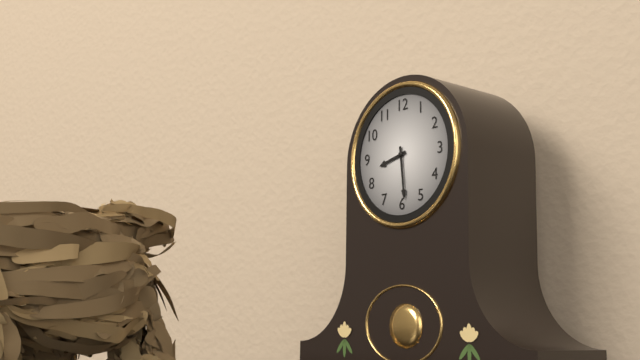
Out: h=8 m=29
